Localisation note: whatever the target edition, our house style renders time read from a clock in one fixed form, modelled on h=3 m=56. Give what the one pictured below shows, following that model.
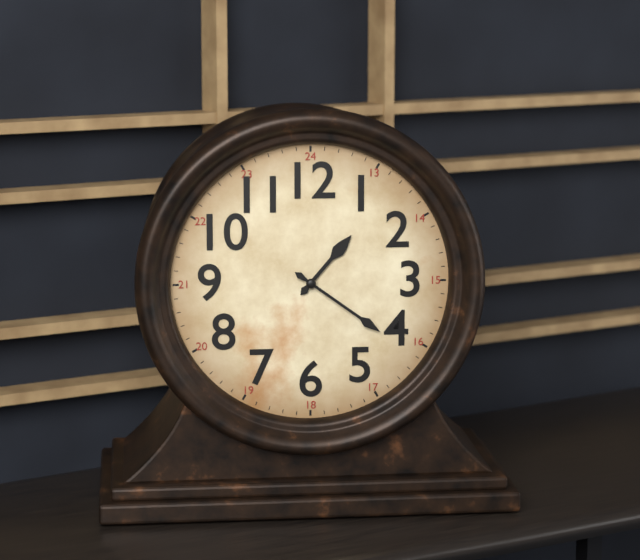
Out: h=1 m=21
